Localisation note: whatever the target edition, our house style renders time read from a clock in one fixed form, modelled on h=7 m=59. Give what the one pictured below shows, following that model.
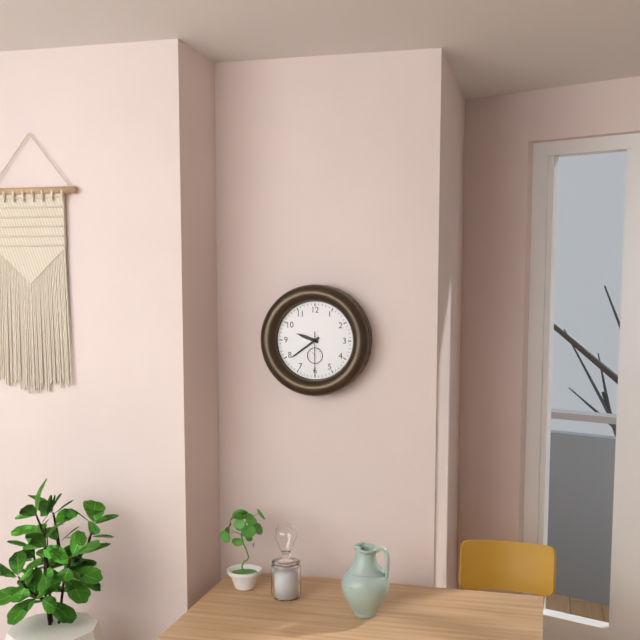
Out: h=9 m=39
